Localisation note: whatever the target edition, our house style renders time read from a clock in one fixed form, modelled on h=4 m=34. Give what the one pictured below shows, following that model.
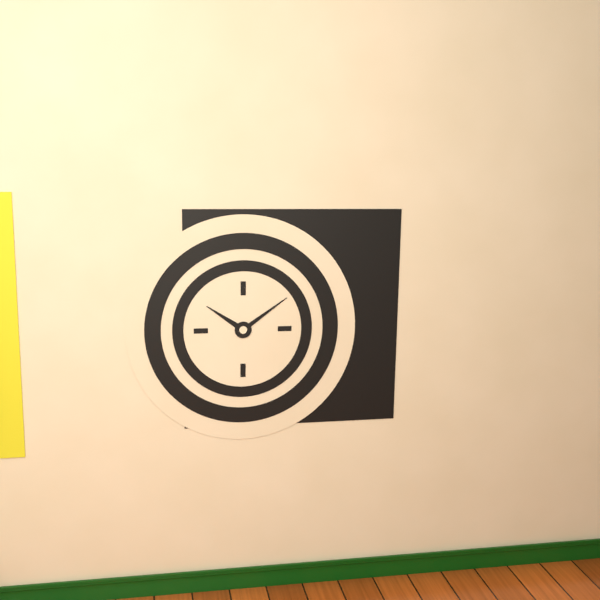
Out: h=10 m=9
